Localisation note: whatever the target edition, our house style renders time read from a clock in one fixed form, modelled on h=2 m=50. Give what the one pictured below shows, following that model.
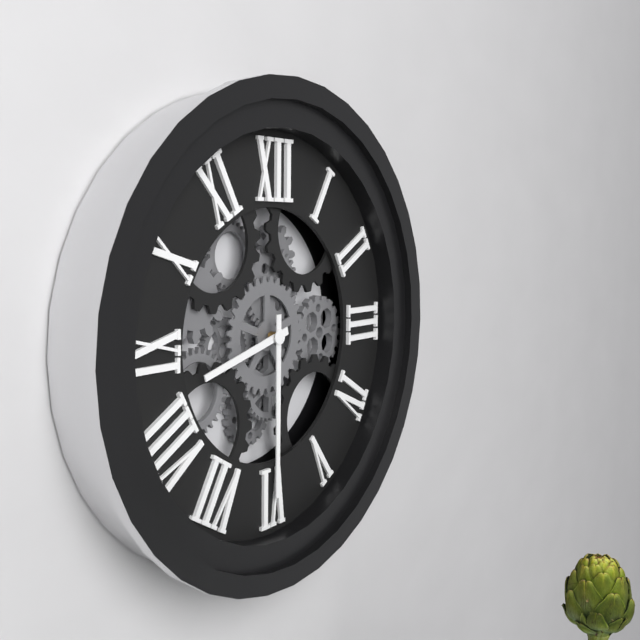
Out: h=8 m=30
